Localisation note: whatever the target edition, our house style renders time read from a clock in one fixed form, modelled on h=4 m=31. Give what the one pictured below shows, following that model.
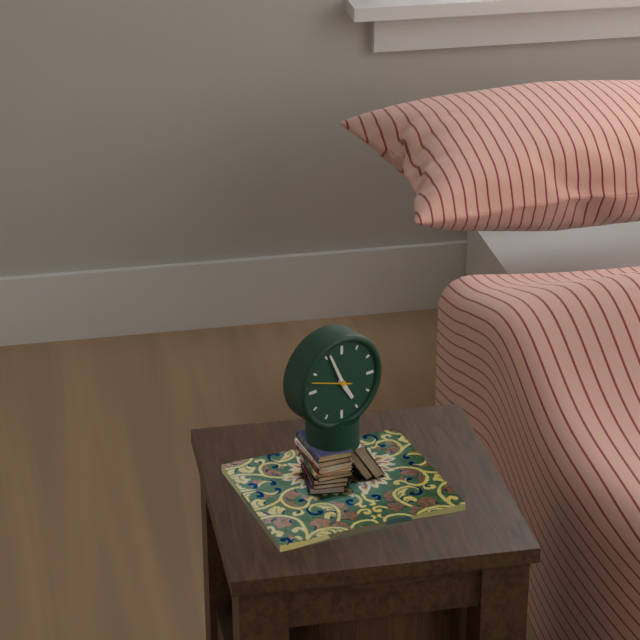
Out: h=4 m=56
